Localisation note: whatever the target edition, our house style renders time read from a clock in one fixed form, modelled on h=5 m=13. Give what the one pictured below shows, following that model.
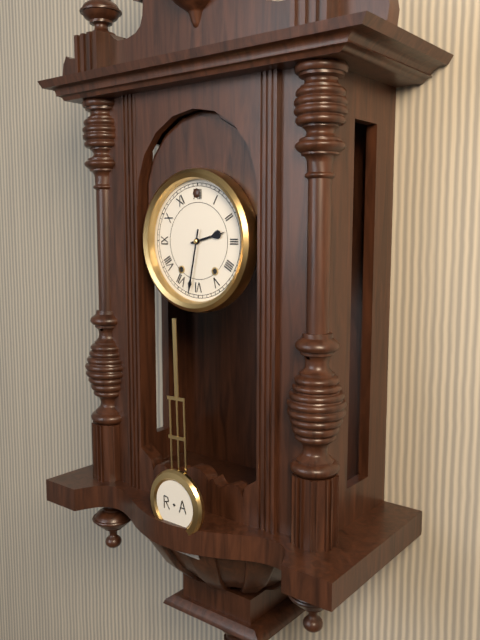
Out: h=2 m=32
